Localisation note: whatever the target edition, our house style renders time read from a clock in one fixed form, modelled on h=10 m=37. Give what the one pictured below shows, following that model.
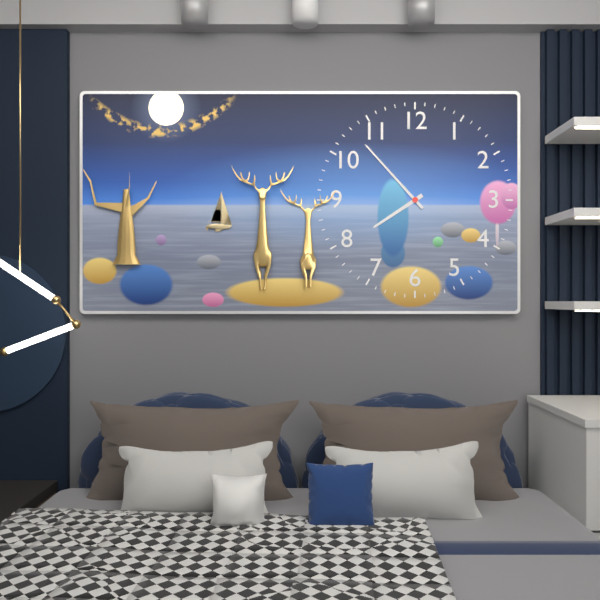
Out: h=7 m=53
